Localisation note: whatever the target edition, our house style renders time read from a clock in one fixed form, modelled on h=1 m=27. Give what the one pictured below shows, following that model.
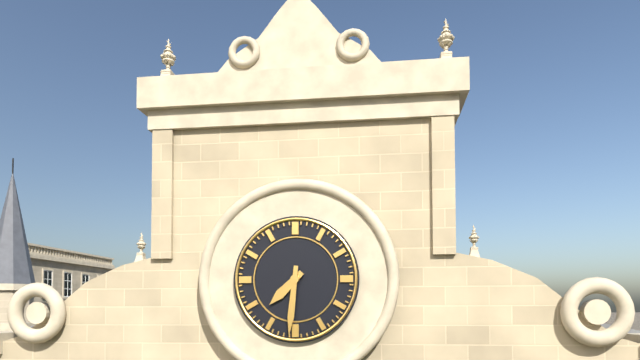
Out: h=7 m=31
